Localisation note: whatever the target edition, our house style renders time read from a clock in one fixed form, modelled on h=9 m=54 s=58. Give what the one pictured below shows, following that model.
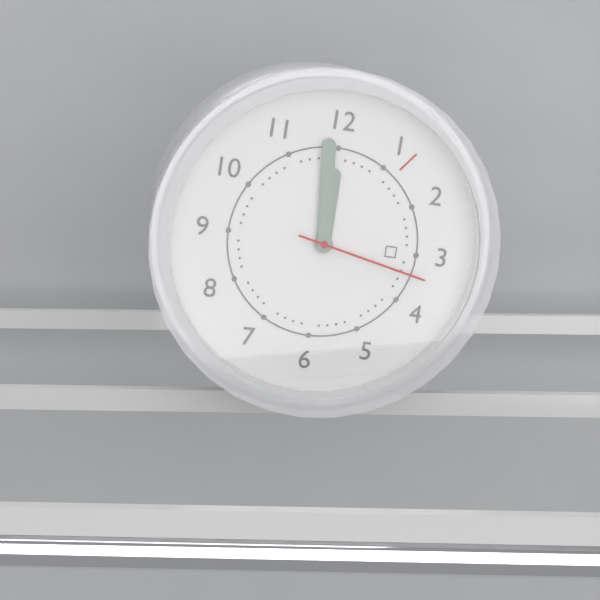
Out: h=11 m=59 s=17
